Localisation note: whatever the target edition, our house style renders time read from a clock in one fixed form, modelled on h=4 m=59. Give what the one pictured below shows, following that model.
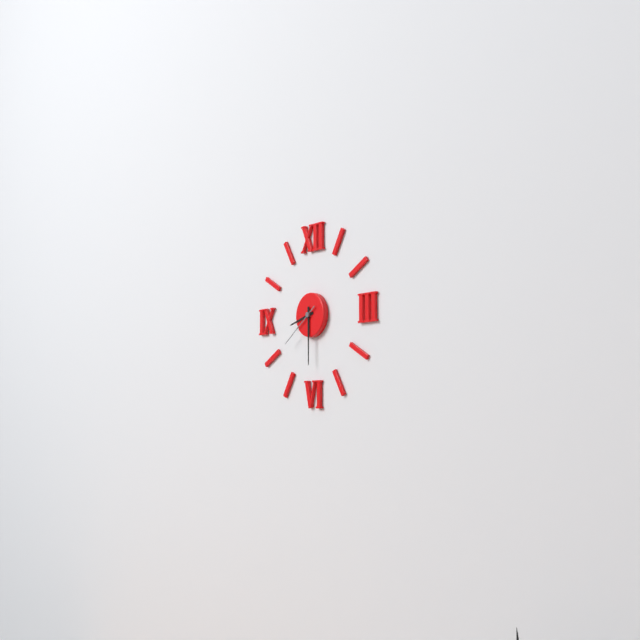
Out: h=8 m=30
